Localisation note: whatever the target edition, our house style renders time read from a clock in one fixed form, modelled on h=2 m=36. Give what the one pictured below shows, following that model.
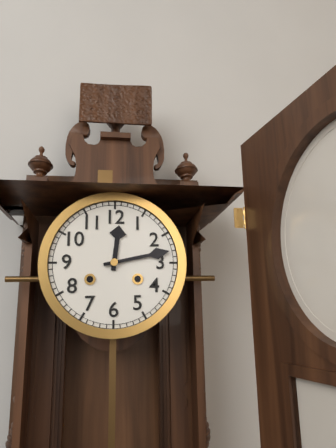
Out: h=12 m=13
